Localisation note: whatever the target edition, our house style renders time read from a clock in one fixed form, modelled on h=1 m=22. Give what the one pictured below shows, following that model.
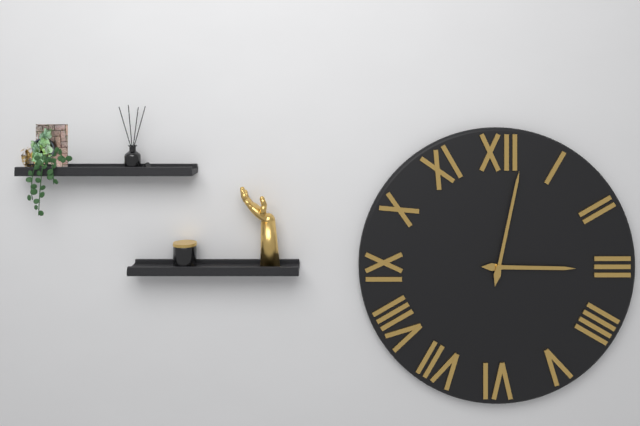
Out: h=3 m=2
